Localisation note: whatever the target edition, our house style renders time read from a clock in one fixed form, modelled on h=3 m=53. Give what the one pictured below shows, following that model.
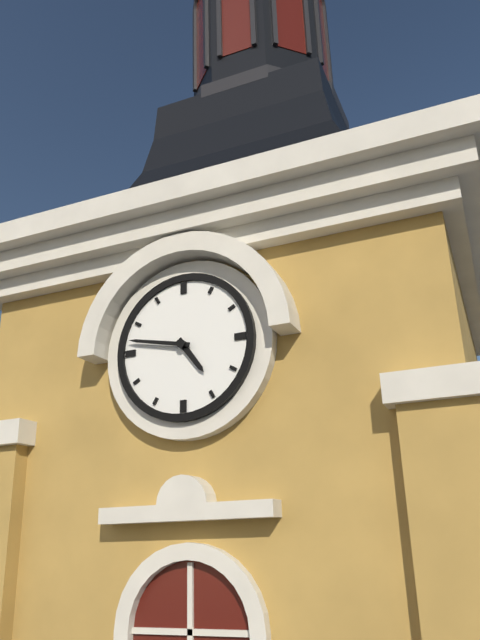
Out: h=4 m=47
